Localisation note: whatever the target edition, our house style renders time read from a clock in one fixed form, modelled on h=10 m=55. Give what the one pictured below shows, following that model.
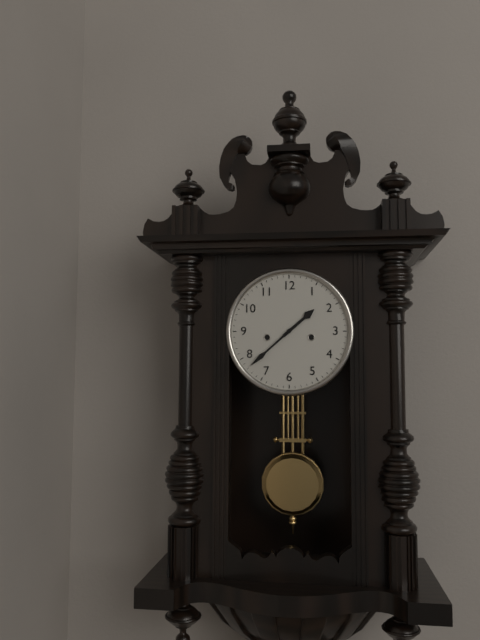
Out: h=1 m=38
